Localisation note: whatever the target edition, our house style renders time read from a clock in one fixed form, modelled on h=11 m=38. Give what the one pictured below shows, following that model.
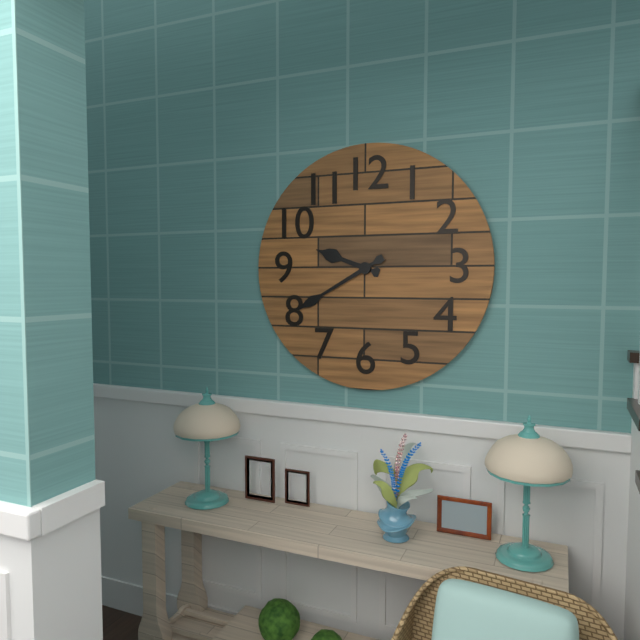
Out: h=9 m=40
